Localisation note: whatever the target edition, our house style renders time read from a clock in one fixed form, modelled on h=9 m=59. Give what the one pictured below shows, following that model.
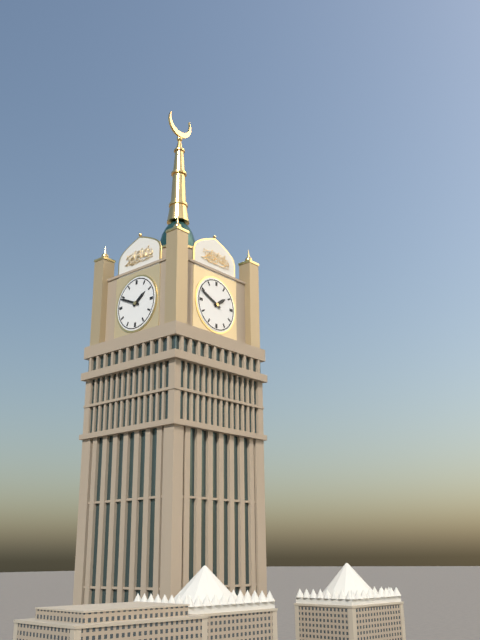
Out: h=1 m=49
